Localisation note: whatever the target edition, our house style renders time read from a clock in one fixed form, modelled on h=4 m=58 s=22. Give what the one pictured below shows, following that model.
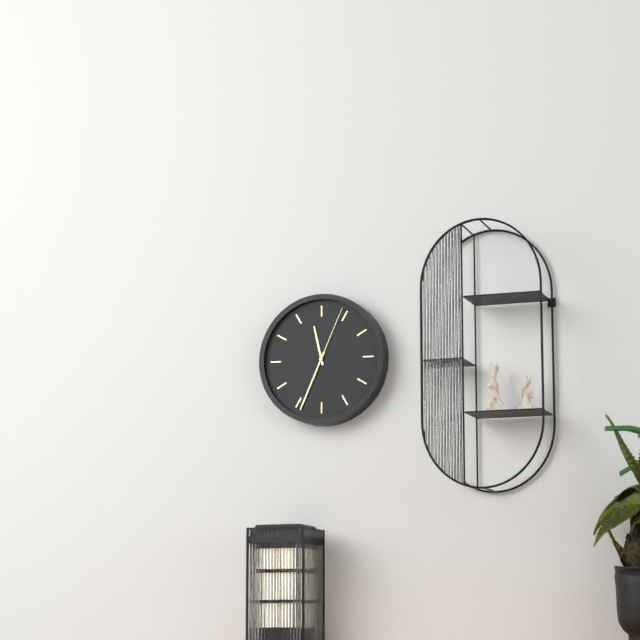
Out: h=11 m=34 s=4
